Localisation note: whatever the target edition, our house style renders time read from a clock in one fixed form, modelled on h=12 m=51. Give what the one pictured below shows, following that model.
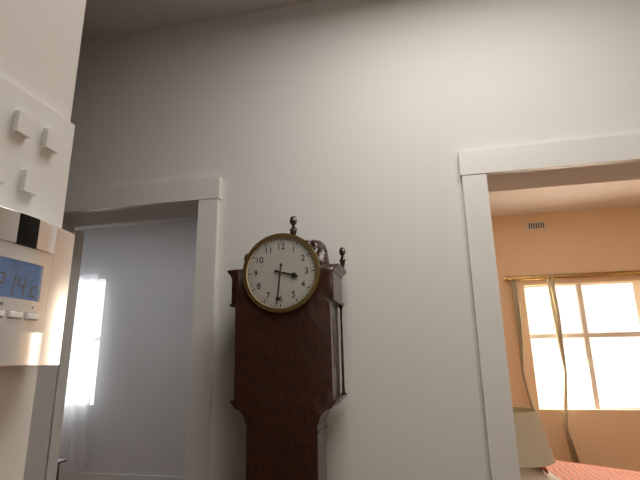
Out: h=3 m=31
